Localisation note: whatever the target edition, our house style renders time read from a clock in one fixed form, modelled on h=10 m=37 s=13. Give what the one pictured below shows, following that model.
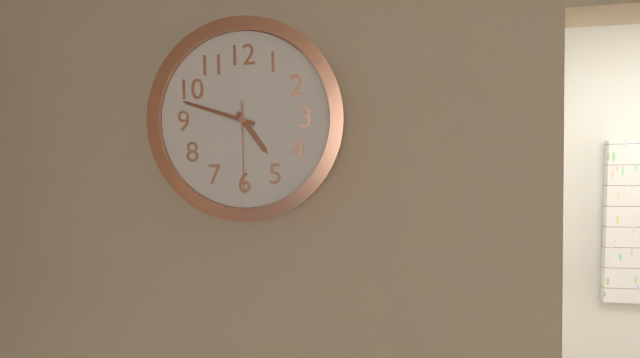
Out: h=4 m=48 s=30
